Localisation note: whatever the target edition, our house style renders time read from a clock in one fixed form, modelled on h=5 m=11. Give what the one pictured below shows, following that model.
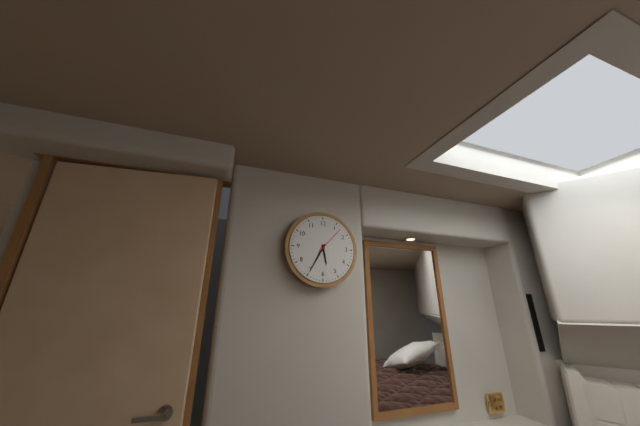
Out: h=5 m=35
